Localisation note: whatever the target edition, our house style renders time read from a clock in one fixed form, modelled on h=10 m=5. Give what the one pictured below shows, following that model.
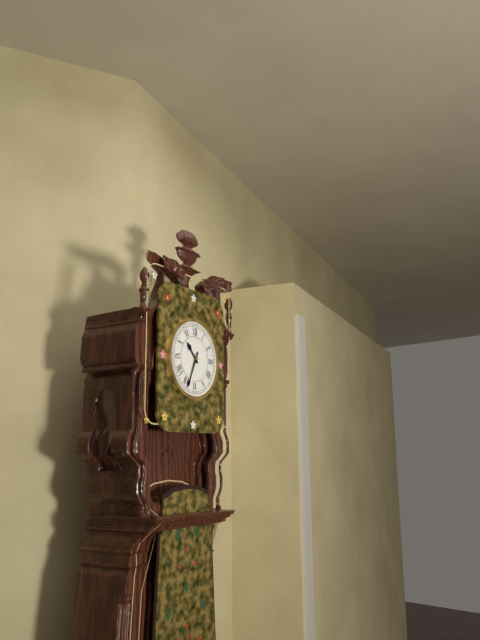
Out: h=10 m=34
